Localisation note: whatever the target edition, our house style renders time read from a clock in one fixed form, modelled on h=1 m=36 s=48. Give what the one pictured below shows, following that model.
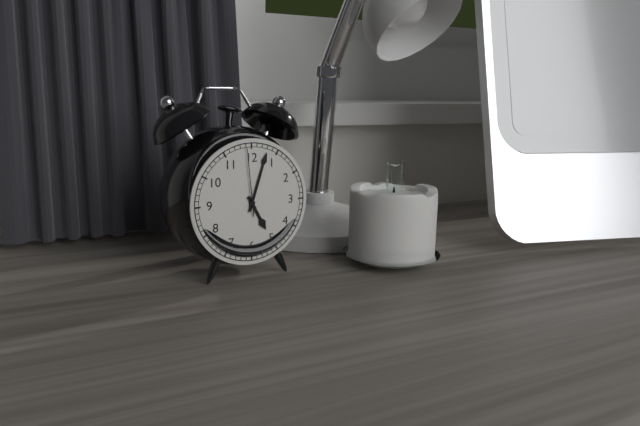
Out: h=5 m=3 s=59
